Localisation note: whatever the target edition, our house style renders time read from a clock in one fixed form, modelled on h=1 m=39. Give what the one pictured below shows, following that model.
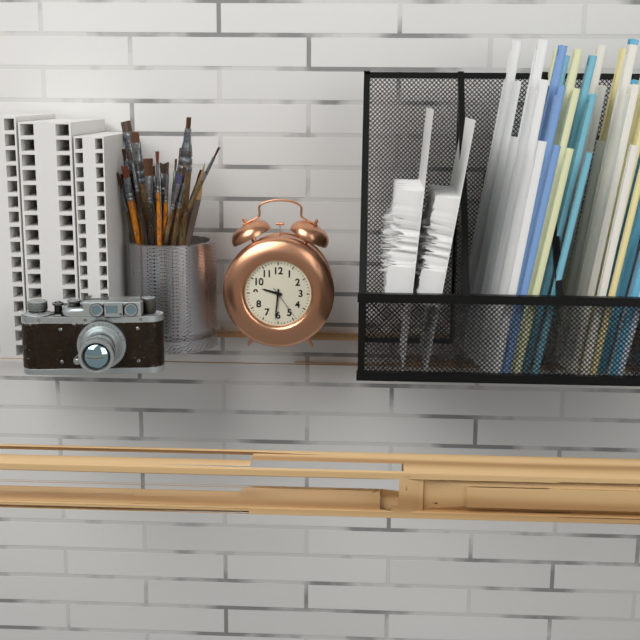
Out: h=9 m=31
